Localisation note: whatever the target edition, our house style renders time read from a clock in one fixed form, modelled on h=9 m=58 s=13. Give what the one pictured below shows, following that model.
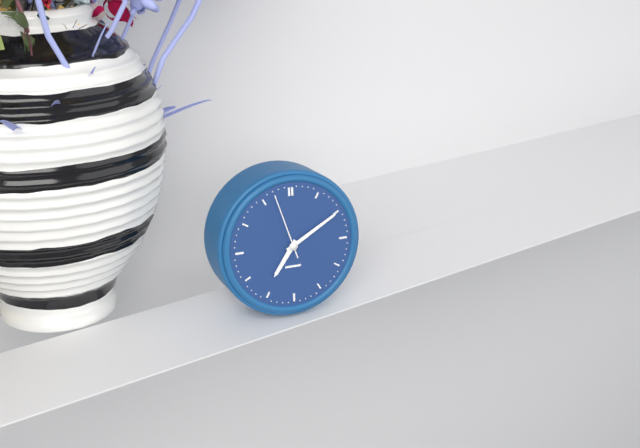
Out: h=7 m=10 s=57
